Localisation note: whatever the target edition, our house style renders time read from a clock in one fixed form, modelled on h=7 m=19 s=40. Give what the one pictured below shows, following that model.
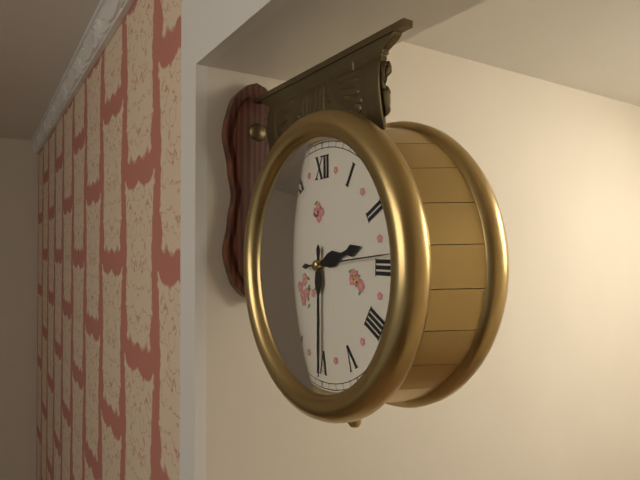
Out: h=2 m=30 s=14
